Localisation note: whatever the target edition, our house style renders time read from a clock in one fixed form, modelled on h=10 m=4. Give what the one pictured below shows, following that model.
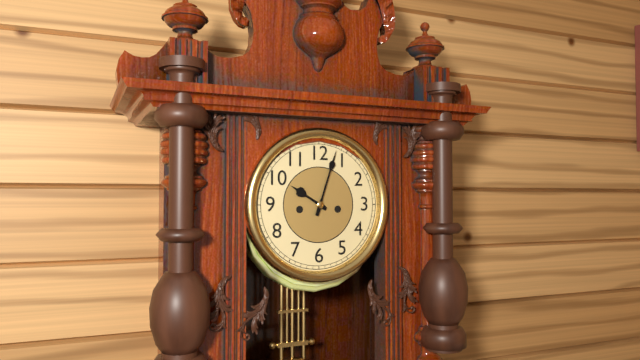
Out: h=10 m=3
